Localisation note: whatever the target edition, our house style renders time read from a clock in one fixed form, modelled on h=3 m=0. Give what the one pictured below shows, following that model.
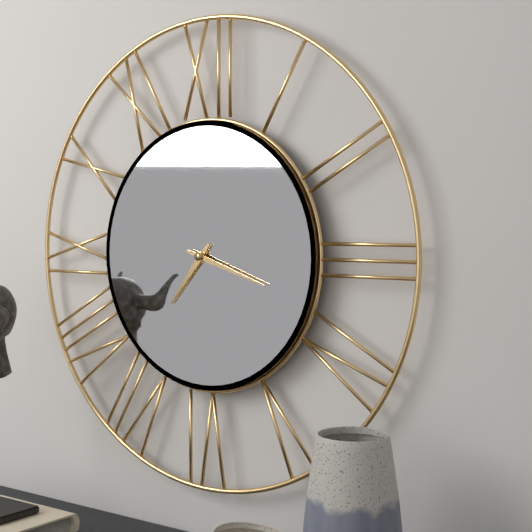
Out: h=7 m=18
